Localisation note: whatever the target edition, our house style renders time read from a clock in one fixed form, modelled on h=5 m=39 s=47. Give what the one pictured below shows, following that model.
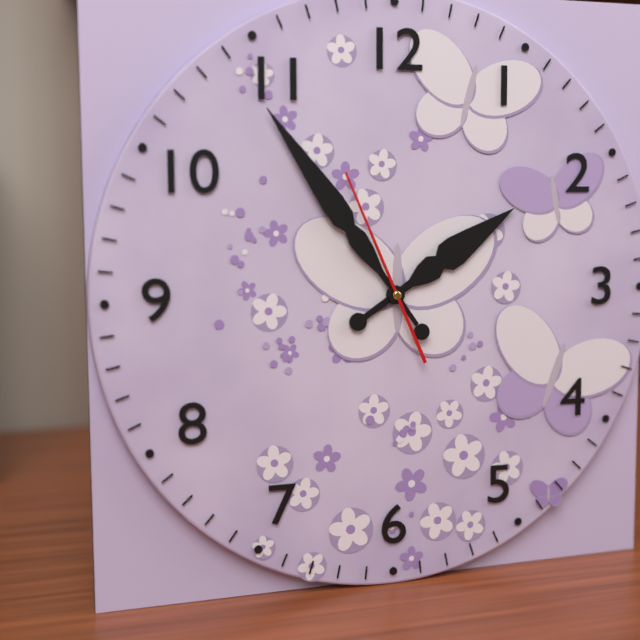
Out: h=1 m=54 s=56
